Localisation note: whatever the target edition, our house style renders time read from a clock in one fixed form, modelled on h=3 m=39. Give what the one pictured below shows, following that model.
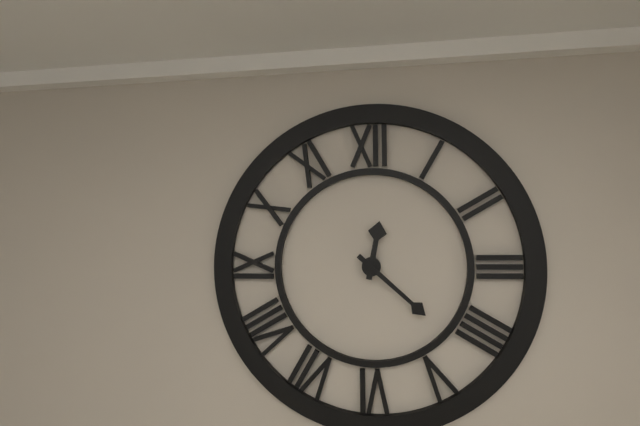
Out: h=12 m=22
